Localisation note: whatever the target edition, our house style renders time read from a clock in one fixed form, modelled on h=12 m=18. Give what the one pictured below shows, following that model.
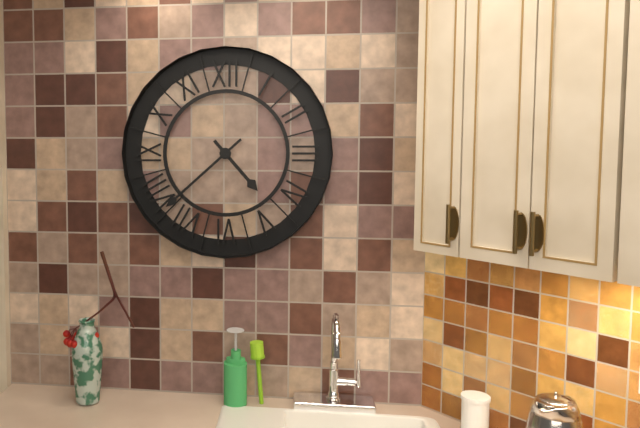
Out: h=4 m=38
